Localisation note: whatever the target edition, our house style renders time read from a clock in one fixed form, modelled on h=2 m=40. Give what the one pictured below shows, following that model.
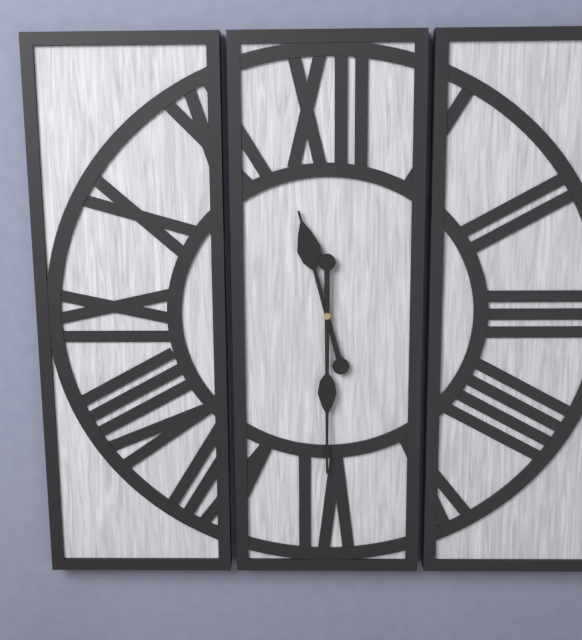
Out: h=11 m=30
